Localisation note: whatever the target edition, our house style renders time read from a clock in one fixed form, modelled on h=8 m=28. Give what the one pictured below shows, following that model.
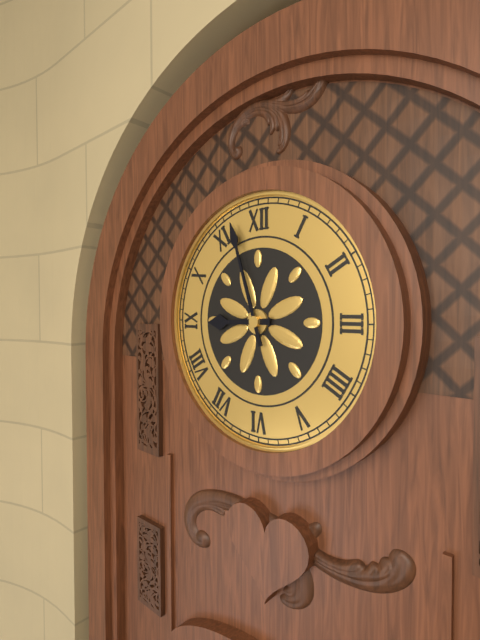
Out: h=8 m=57
